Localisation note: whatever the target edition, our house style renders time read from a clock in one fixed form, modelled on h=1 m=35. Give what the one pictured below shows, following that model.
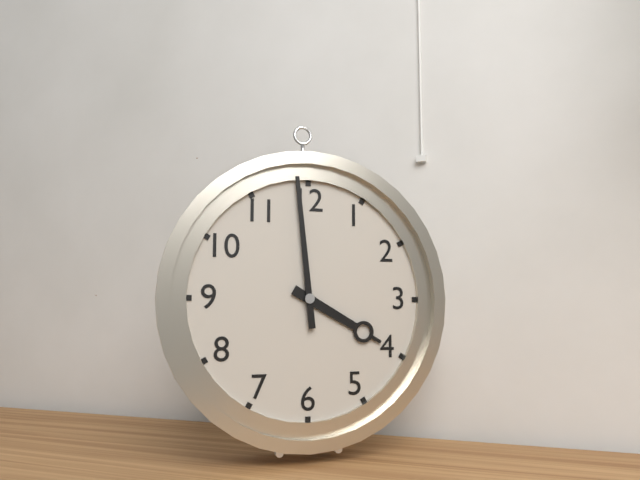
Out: h=3 m=59
